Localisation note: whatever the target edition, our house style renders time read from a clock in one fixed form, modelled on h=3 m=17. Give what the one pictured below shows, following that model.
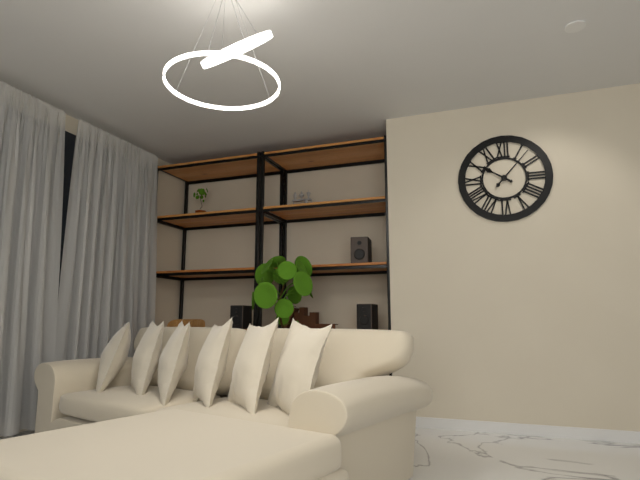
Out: h=10 m=7
